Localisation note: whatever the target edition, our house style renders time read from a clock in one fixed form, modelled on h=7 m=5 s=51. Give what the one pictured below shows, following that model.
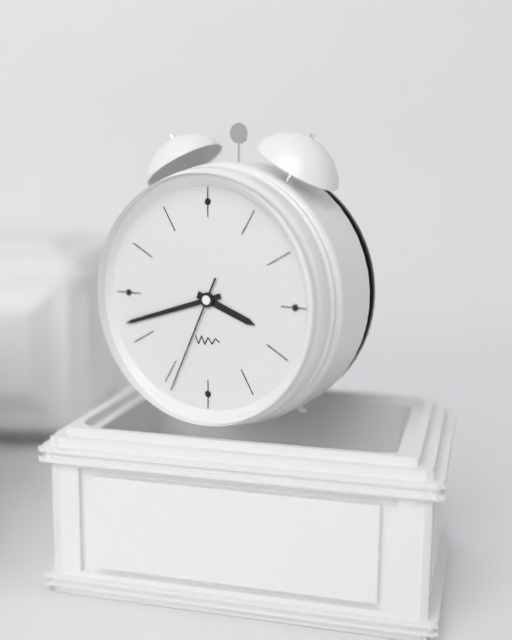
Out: h=3 m=42 s=34
